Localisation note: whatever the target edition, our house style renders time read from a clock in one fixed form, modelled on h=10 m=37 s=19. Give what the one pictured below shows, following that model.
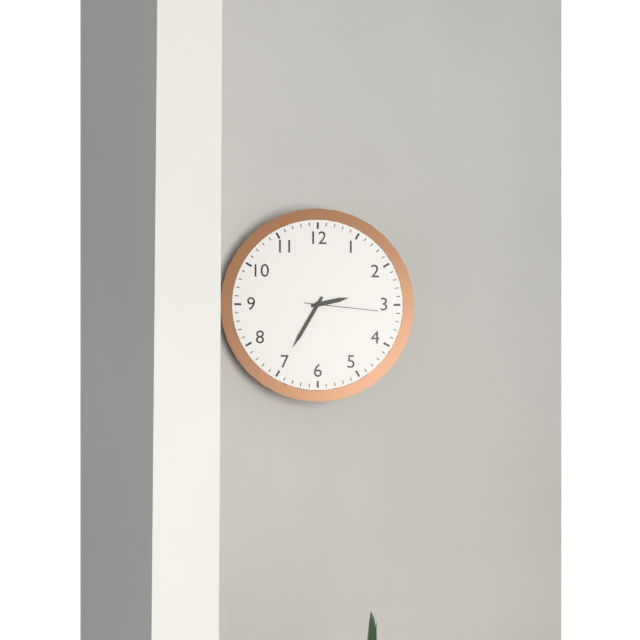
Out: h=2 m=35 s=16
